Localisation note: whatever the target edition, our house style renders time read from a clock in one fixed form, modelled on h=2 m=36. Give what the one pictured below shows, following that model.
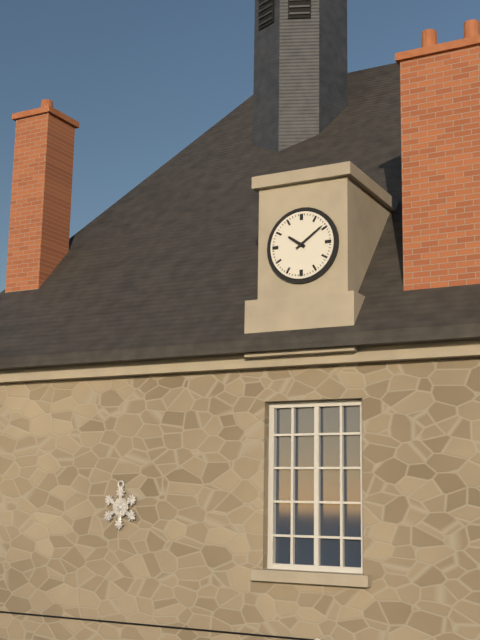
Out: h=10 m=9
